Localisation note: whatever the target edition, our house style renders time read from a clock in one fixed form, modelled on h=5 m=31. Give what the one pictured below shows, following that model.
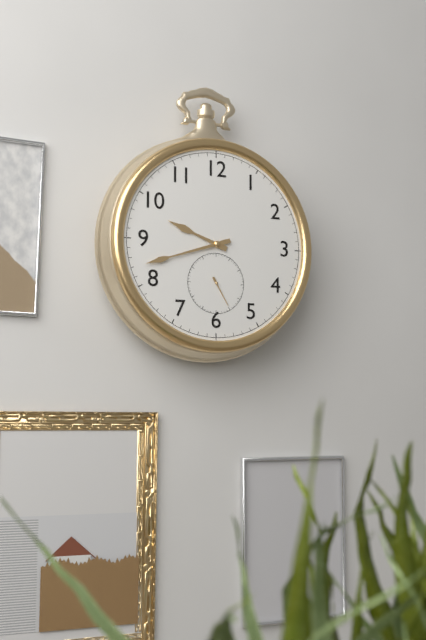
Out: h=9 m=42
